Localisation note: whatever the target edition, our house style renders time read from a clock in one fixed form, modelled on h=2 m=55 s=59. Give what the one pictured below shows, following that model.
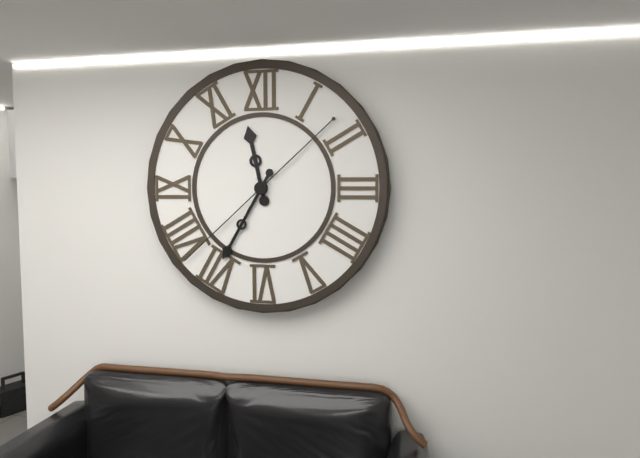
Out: h=11 m=35 s=38
